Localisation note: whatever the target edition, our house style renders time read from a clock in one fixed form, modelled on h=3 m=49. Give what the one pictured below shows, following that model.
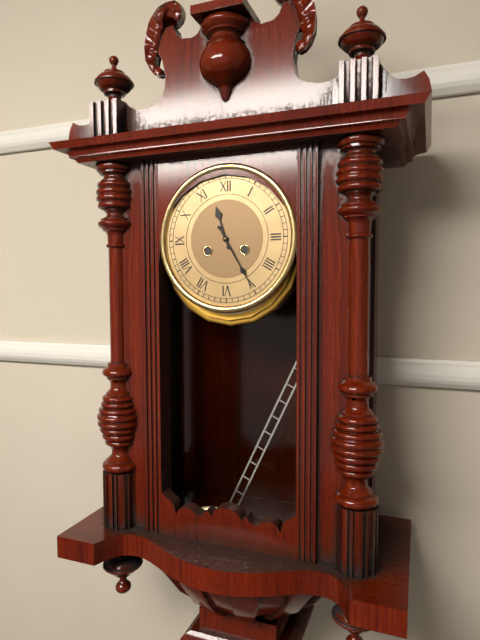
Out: h=11 m=25
